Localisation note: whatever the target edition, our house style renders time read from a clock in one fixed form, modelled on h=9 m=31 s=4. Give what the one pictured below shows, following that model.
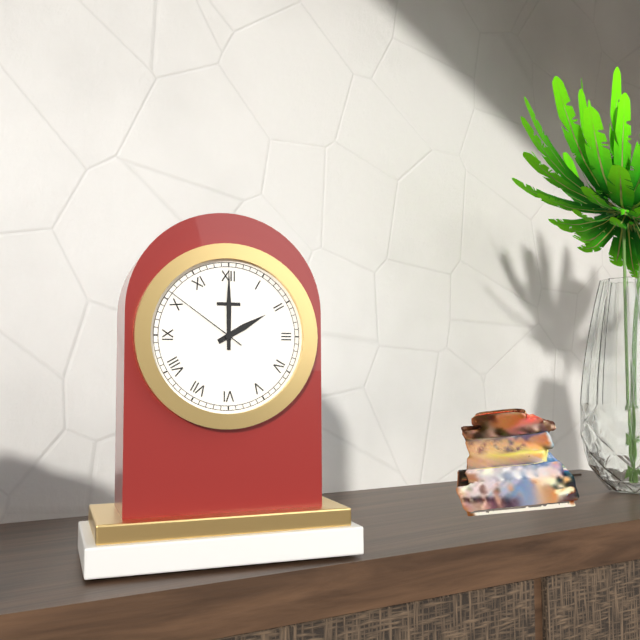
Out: h=2 m=0 s=51
